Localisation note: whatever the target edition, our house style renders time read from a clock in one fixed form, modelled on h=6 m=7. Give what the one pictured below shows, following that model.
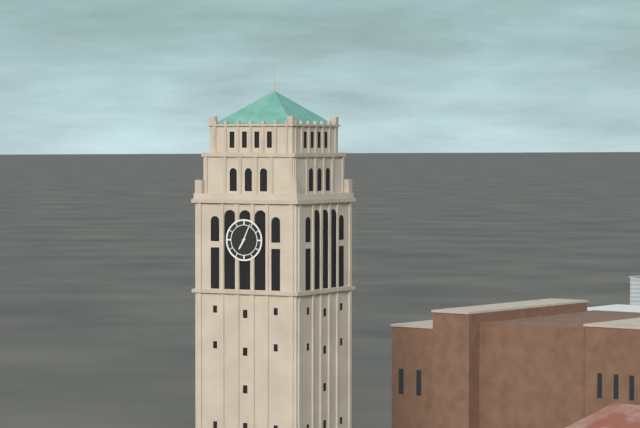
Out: h=7 m=4
